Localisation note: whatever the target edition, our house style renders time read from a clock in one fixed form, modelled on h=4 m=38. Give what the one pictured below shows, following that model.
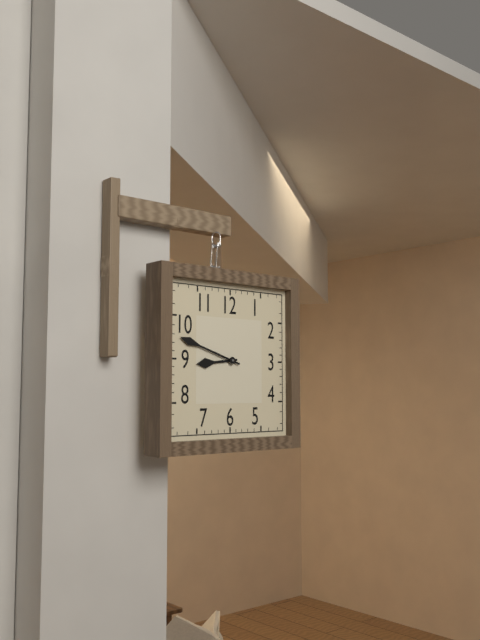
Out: h=8 m=48
